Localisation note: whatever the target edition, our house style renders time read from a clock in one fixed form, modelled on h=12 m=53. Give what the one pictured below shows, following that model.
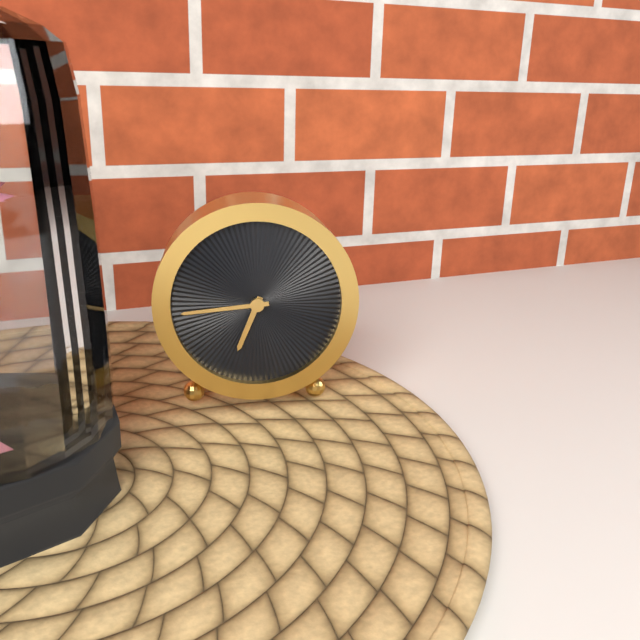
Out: h=6 m=44
